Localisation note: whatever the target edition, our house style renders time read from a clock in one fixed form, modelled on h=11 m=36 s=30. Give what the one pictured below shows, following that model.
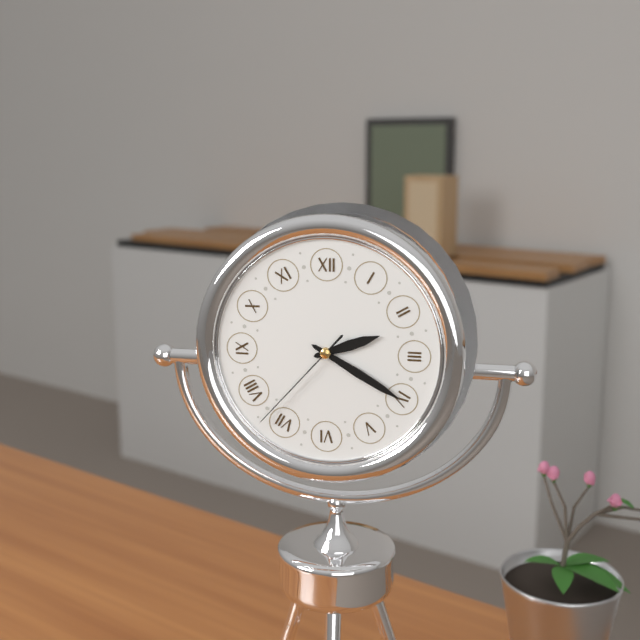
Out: h=2 m=20 s=37
